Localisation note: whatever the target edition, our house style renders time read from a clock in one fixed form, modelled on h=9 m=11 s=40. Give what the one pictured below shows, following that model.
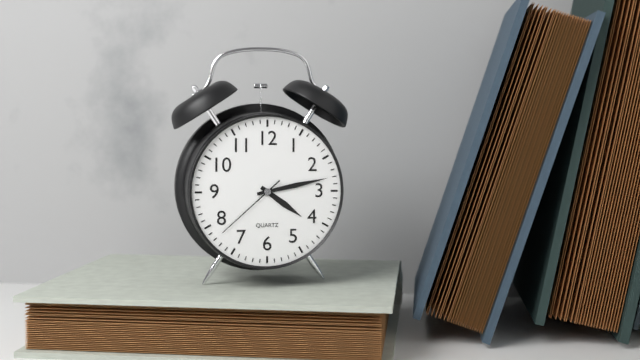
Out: h=4 m=13 s=38
